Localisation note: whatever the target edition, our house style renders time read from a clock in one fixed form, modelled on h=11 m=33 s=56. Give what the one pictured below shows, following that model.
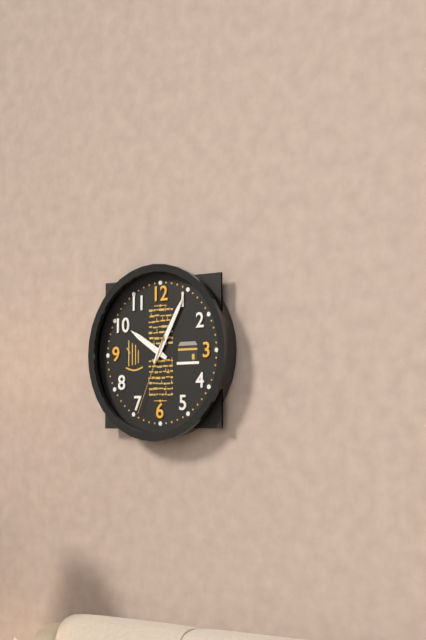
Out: h=10 m=5 s=34
